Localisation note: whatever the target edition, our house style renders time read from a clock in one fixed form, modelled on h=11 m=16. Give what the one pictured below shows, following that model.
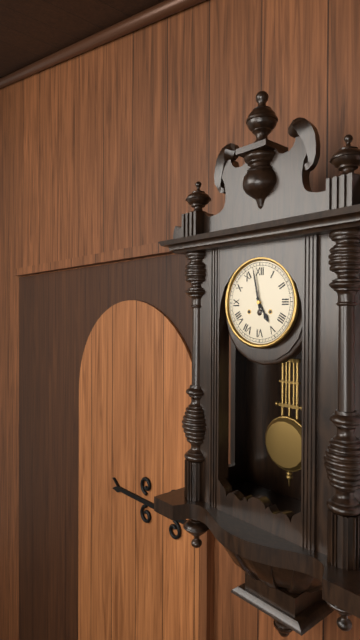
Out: h=4 m=58
